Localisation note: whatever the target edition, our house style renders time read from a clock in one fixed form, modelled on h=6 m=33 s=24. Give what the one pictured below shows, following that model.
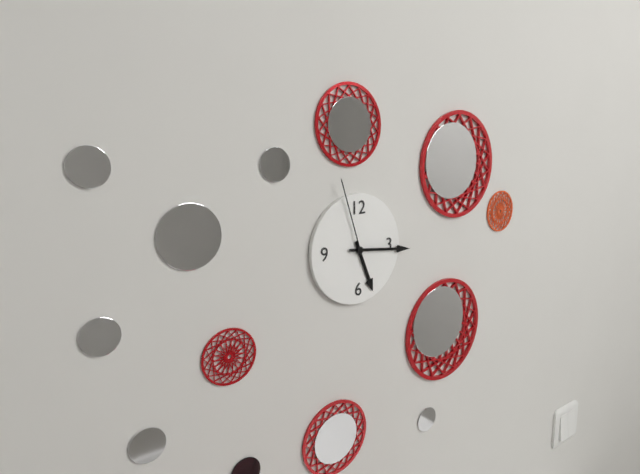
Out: h=5 m=16 s=57
